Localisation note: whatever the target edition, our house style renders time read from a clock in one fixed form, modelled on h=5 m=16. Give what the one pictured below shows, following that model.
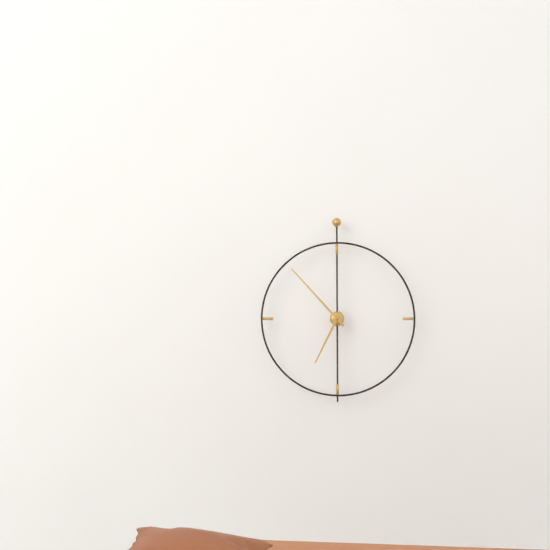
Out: h=6 m=53
